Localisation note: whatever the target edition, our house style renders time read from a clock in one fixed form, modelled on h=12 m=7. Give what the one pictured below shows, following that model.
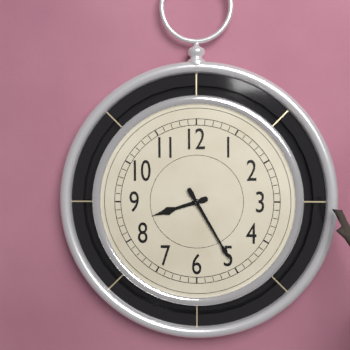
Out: h=8 m=25
